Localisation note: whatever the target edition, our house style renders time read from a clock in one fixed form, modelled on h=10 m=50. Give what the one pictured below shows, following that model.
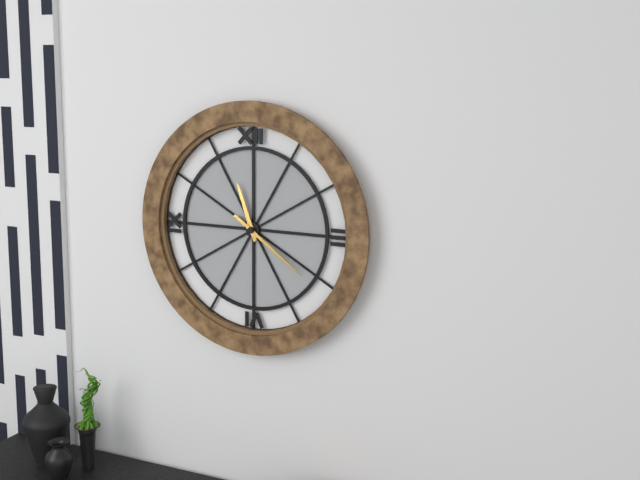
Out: h=11 m=21
